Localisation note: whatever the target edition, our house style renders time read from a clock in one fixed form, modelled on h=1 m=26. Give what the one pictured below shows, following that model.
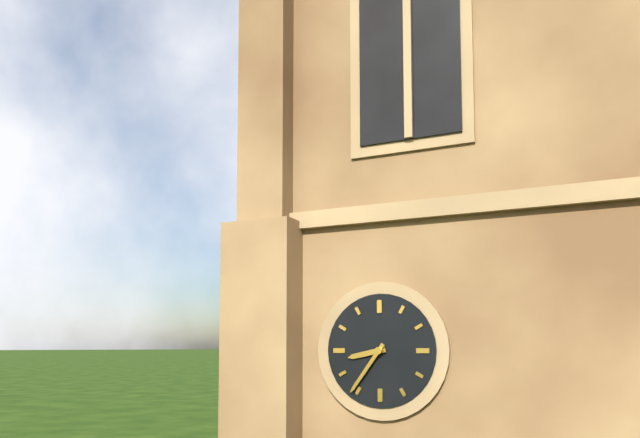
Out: h=8 m=36
